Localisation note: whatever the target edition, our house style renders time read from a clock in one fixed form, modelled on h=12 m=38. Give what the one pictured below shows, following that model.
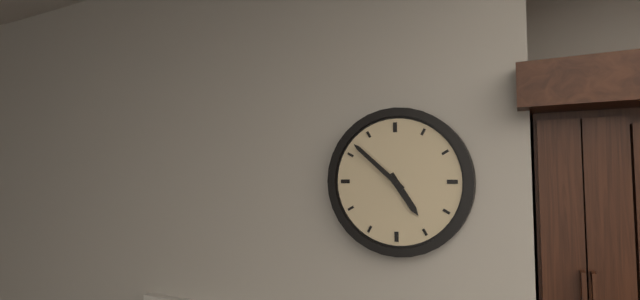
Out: h=4 m=52
